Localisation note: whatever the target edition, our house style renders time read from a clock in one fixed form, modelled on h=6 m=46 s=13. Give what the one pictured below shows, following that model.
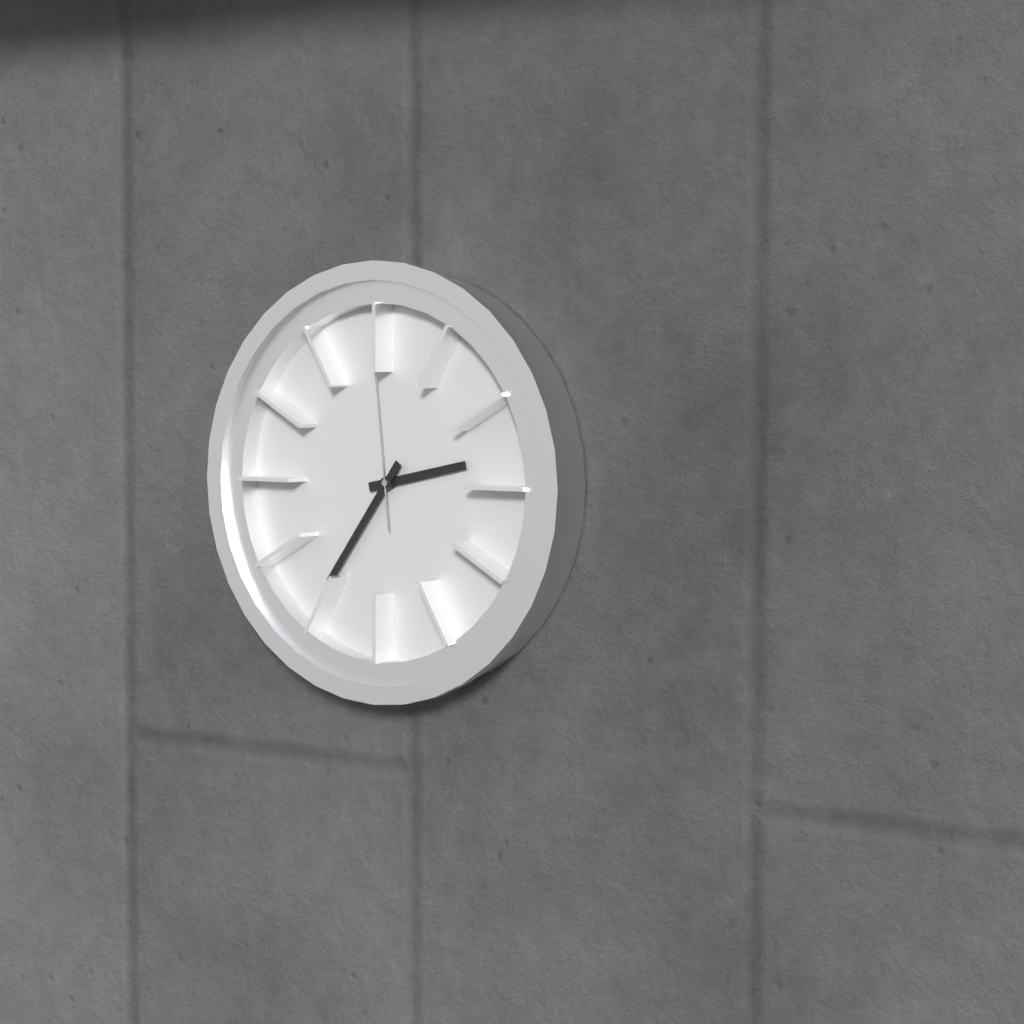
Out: h=2 m=36 s=59
